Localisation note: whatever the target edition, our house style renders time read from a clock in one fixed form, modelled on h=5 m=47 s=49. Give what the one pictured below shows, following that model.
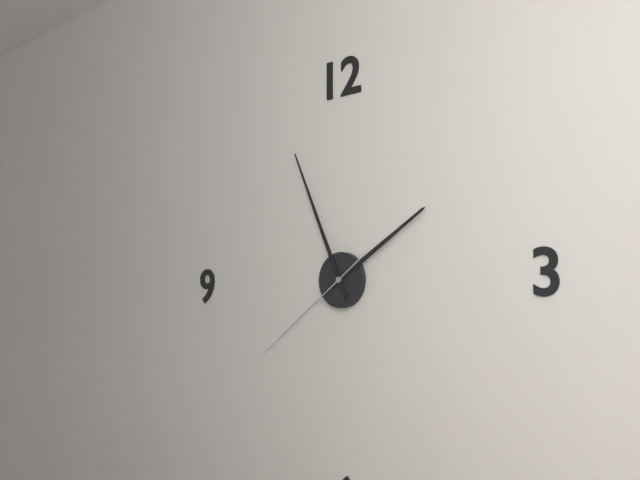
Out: h=1 m=56 s=39
